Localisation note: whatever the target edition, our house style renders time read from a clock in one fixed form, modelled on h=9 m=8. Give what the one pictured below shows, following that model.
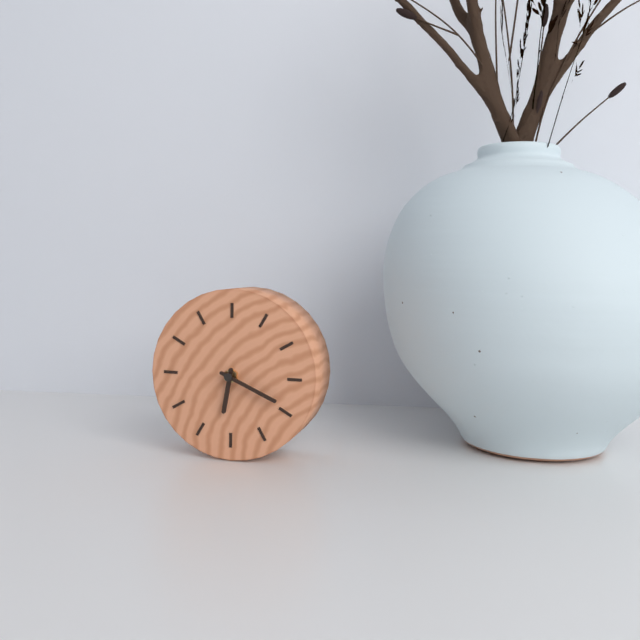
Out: h=6 m=19
